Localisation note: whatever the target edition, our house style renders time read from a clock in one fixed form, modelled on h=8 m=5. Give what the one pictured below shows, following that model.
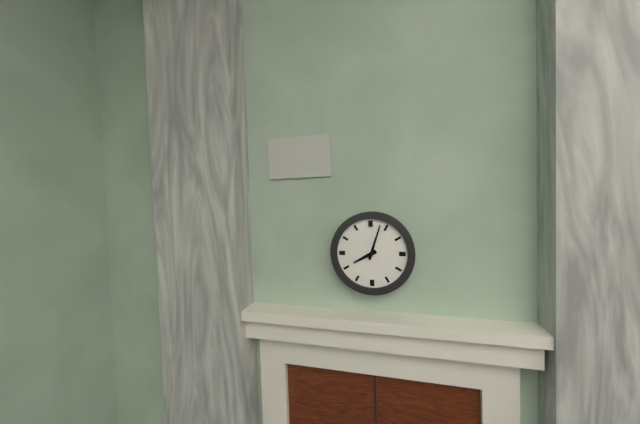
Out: h=8 m=3
